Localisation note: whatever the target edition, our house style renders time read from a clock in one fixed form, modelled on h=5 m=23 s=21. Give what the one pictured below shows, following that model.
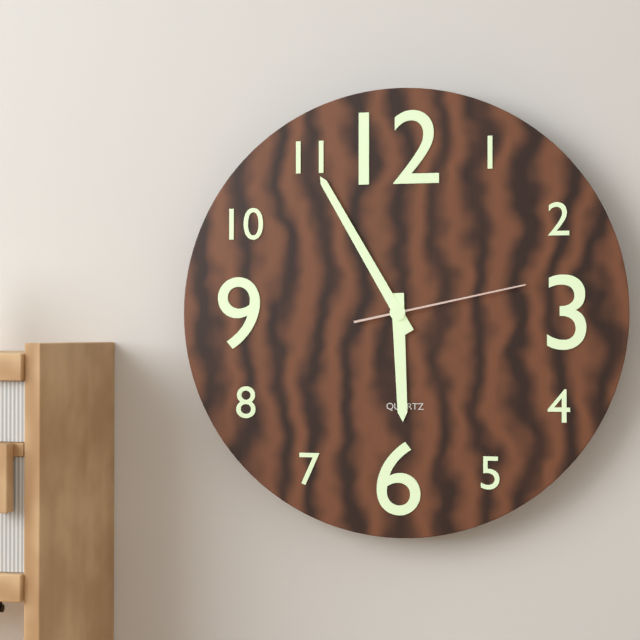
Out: h=5 m=55 s=13
